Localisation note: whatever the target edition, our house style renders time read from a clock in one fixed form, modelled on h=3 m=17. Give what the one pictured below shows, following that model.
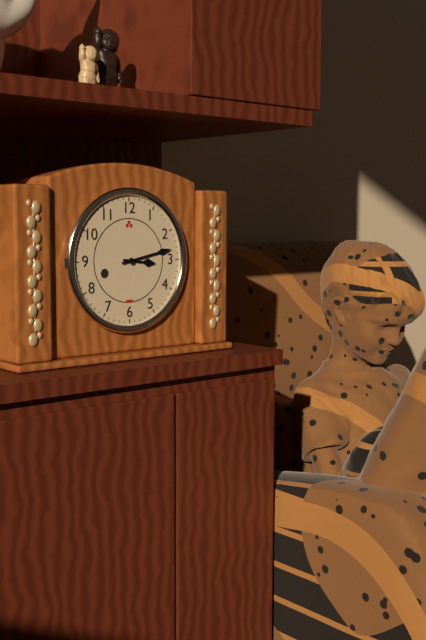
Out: h=3 m=13
